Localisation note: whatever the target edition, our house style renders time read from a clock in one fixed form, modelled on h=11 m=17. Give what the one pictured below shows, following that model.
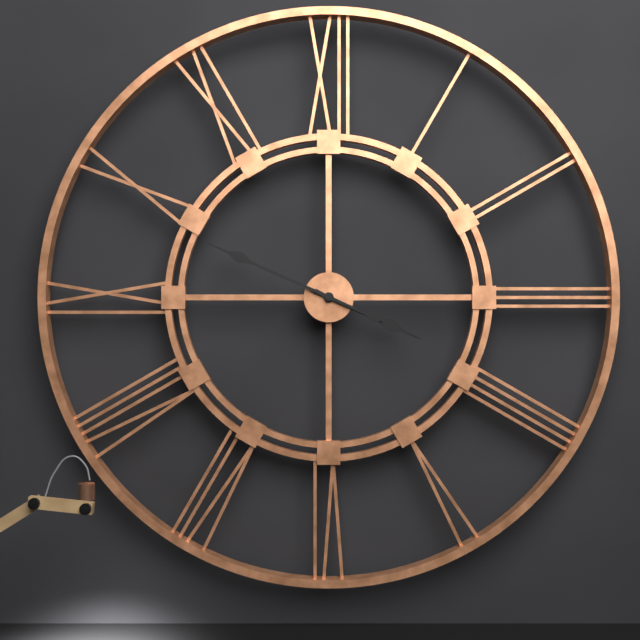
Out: h=3 m=49
